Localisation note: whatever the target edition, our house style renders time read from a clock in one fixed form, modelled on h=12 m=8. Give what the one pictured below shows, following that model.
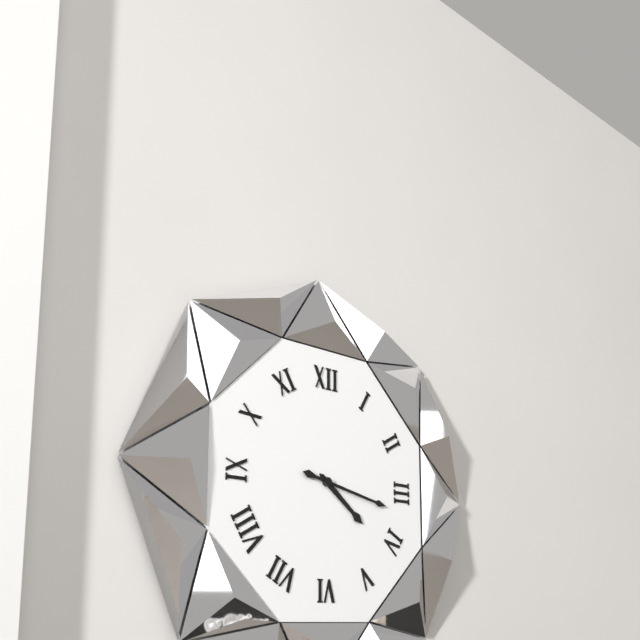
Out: h=4 m=17
